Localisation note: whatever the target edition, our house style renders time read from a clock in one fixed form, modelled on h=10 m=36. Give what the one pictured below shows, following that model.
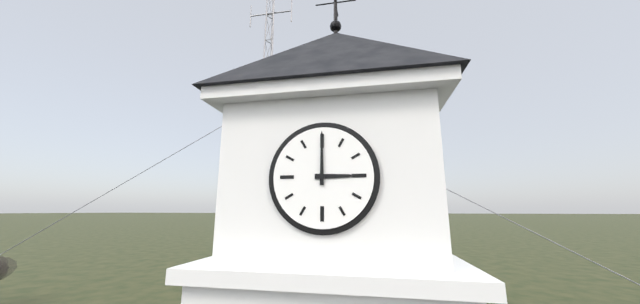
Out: h=3 m=0
